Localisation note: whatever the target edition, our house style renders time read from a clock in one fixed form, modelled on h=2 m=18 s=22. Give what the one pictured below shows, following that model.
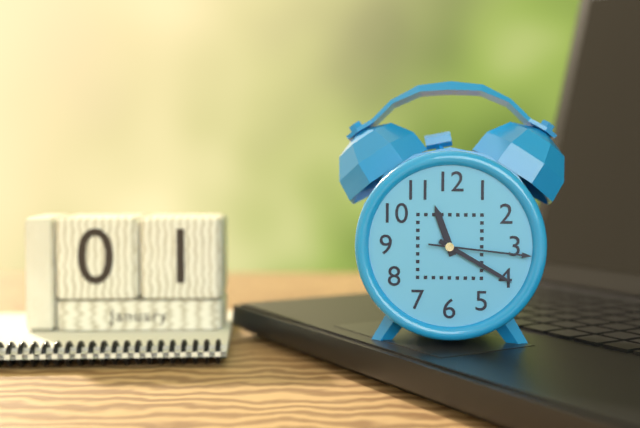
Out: h=11 m=20 s=16
